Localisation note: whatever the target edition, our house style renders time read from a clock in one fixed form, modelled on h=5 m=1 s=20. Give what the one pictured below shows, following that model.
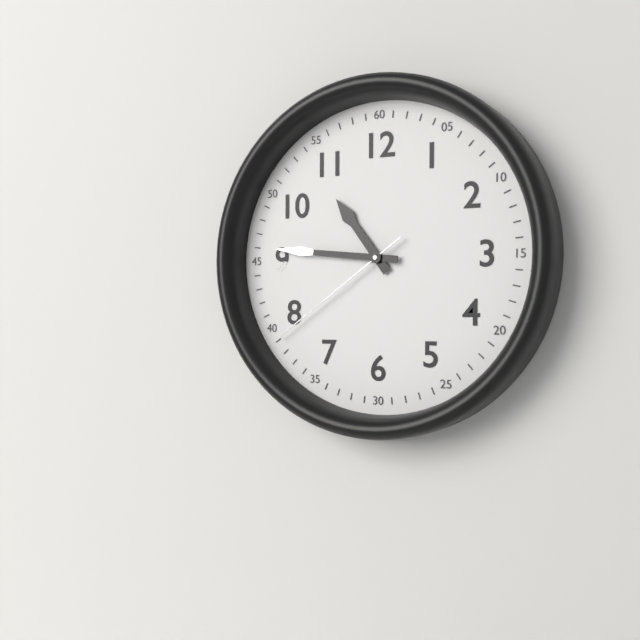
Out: h=10 m=46 s=39
